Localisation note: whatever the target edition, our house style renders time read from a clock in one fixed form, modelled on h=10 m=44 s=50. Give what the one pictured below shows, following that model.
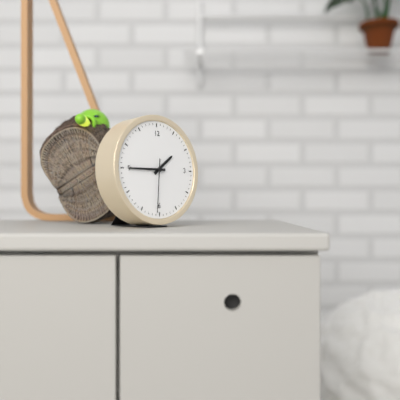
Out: h=1 m=45 s=31
